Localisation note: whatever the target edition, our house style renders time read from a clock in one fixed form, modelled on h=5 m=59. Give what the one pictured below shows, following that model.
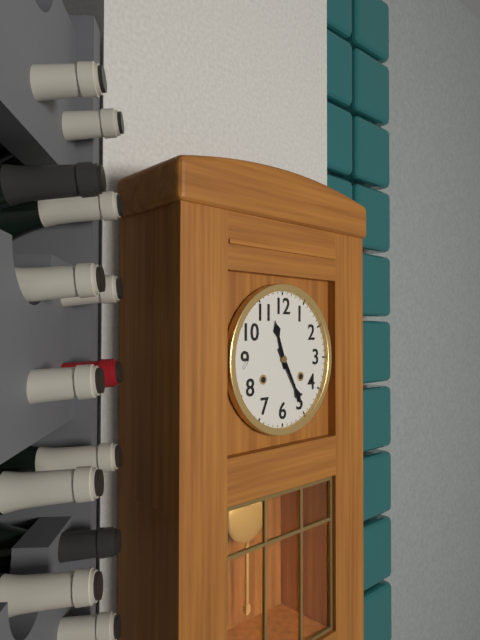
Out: h=11 m=25
